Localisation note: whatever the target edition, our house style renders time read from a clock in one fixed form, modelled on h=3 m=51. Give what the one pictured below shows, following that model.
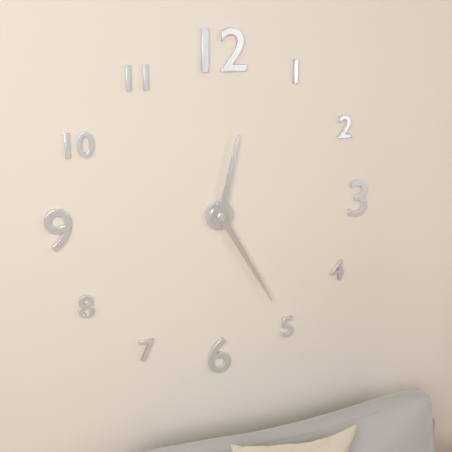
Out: h=12 m=25
